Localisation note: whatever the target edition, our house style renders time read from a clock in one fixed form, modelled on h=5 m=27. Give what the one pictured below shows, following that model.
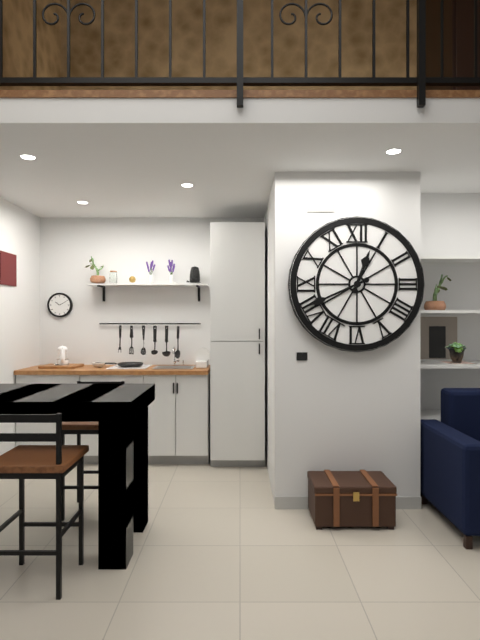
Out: h=12 m=41
